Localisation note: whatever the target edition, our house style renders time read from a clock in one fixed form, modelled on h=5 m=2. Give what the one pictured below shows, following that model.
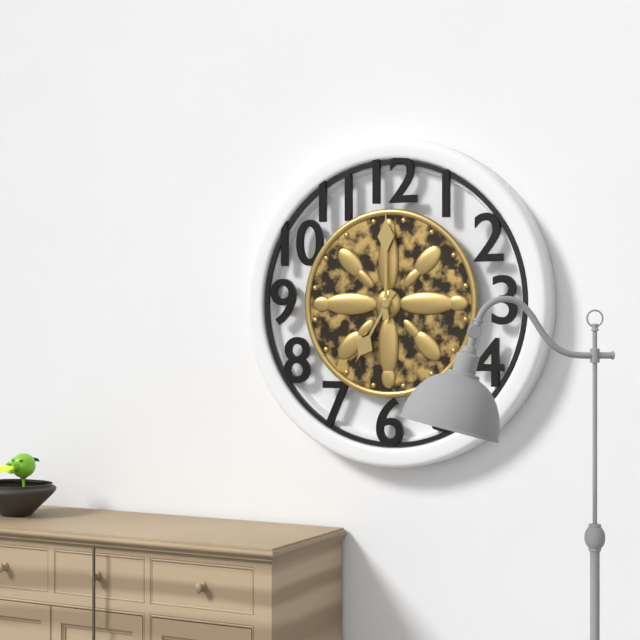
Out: h=7 m=0
